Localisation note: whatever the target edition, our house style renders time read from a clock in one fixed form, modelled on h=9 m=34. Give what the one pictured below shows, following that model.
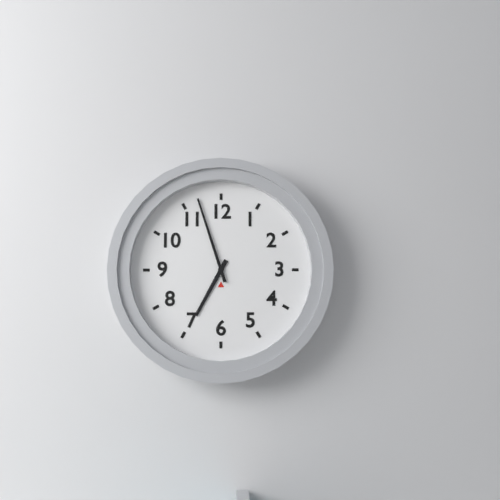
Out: h=6 m=57
